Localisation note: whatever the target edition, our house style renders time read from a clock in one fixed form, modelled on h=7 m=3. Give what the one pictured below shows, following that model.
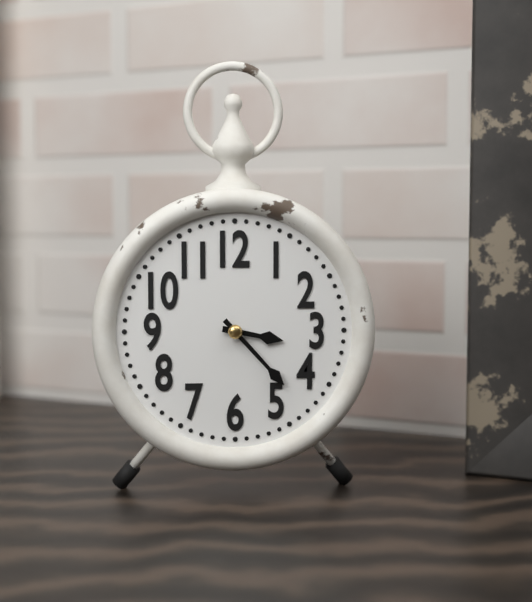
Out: h=3 m=23
